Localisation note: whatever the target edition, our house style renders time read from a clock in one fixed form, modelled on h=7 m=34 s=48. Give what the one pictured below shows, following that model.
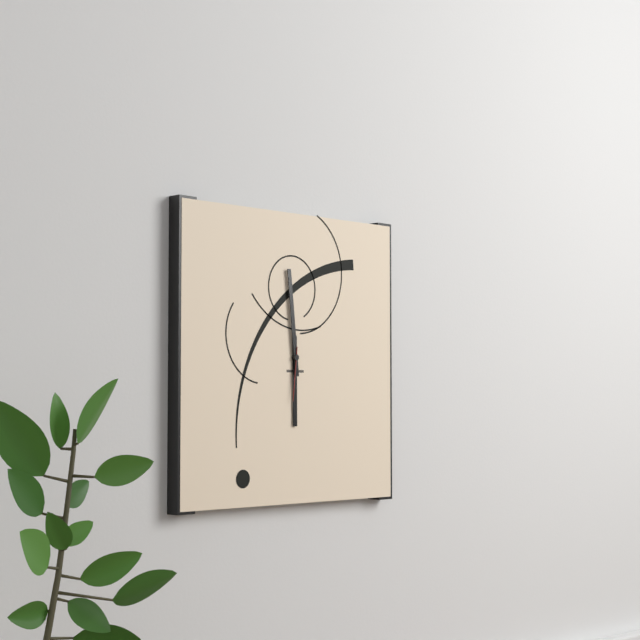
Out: h=5 m=59 s=31
